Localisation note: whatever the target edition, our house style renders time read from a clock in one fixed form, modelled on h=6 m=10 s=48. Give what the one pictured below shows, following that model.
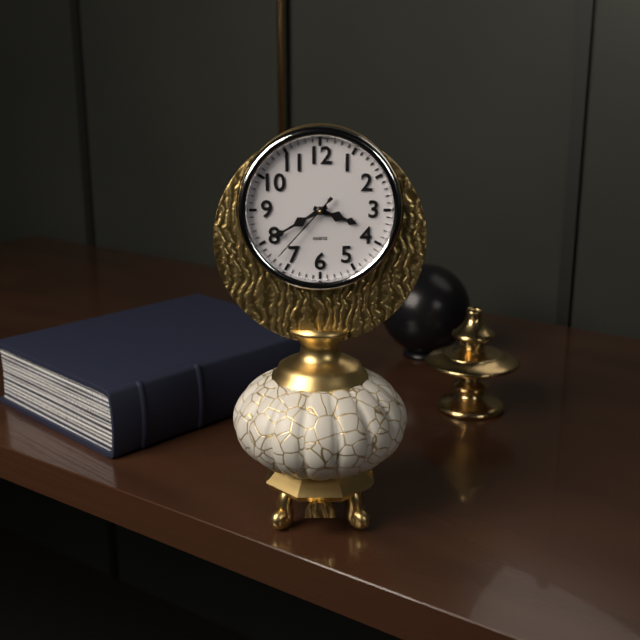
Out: h=3 m=40 s=37
